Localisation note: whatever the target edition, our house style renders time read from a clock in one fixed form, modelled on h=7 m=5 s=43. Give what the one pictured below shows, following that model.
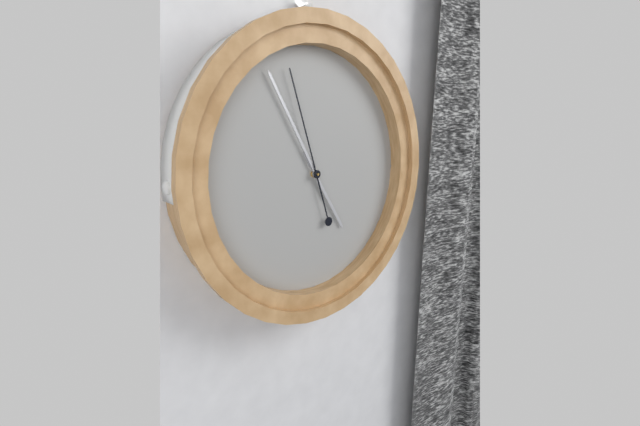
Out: h=4 m=55 s=57
